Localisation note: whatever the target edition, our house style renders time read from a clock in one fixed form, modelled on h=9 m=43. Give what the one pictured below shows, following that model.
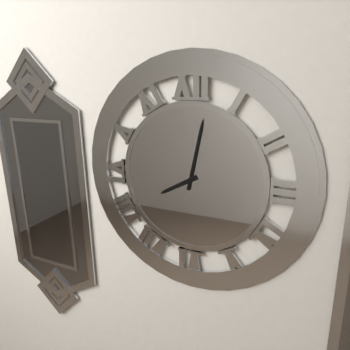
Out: h=8 m=2
